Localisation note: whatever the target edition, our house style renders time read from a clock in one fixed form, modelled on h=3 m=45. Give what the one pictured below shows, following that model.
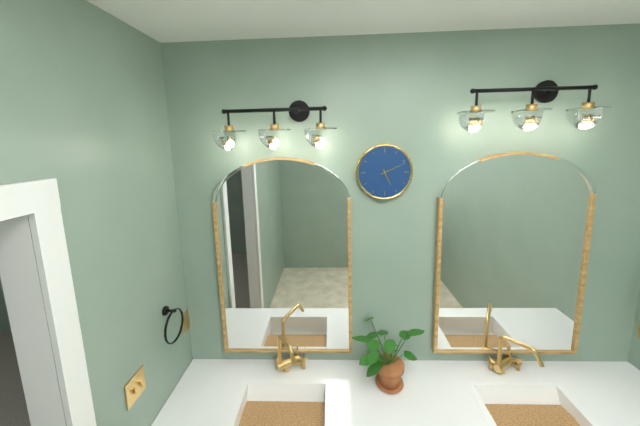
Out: h=5 m=11
